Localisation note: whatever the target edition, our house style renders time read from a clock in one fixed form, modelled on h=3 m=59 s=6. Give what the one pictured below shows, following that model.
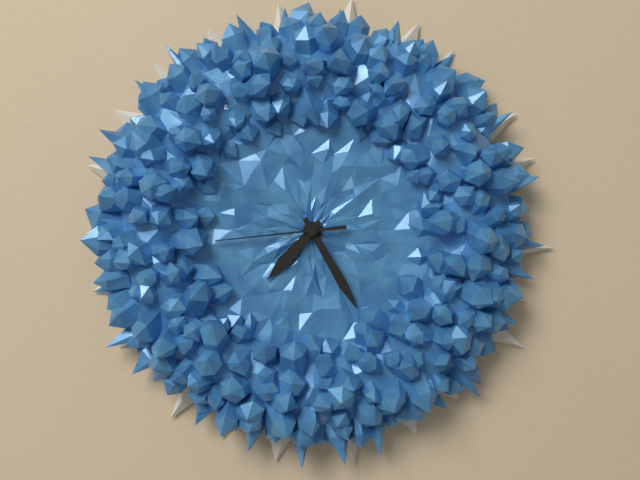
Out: h=7 m=25 s=44
